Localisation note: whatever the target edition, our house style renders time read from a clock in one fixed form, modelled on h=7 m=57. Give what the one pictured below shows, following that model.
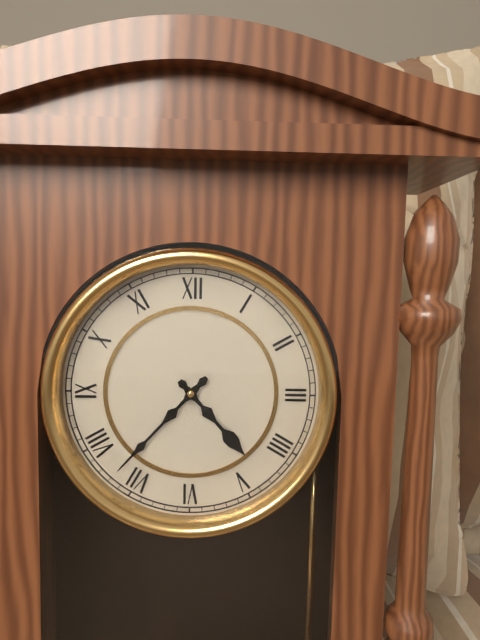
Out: h=4 m=37
